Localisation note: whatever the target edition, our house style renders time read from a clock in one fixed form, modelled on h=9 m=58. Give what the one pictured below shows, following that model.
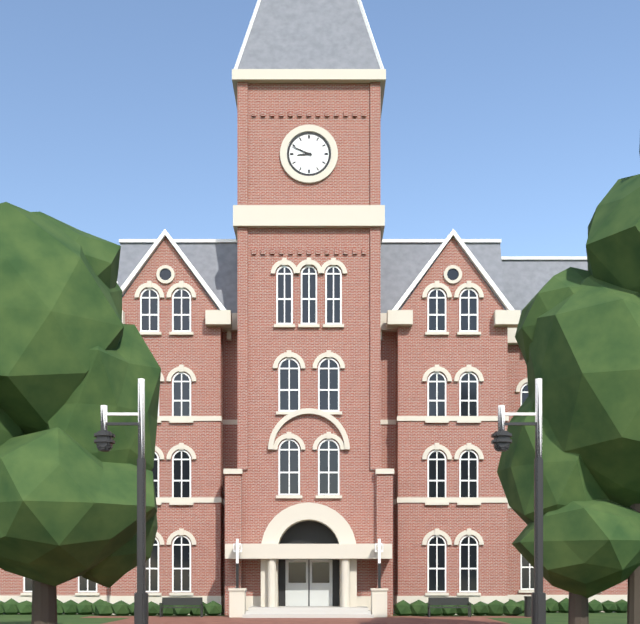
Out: h=8 m=49
